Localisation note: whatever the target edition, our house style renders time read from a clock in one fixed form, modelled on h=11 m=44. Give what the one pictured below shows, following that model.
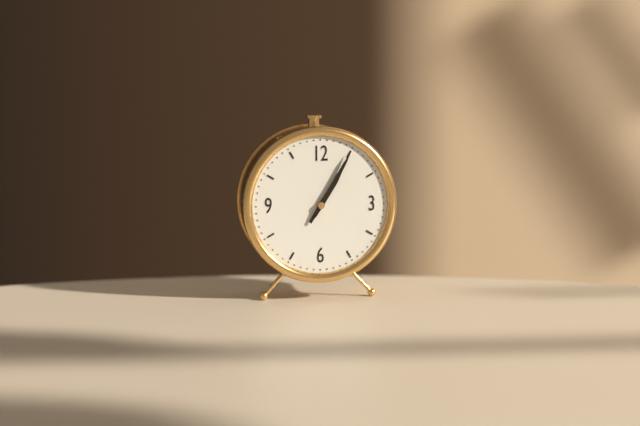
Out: h=1 m=5
